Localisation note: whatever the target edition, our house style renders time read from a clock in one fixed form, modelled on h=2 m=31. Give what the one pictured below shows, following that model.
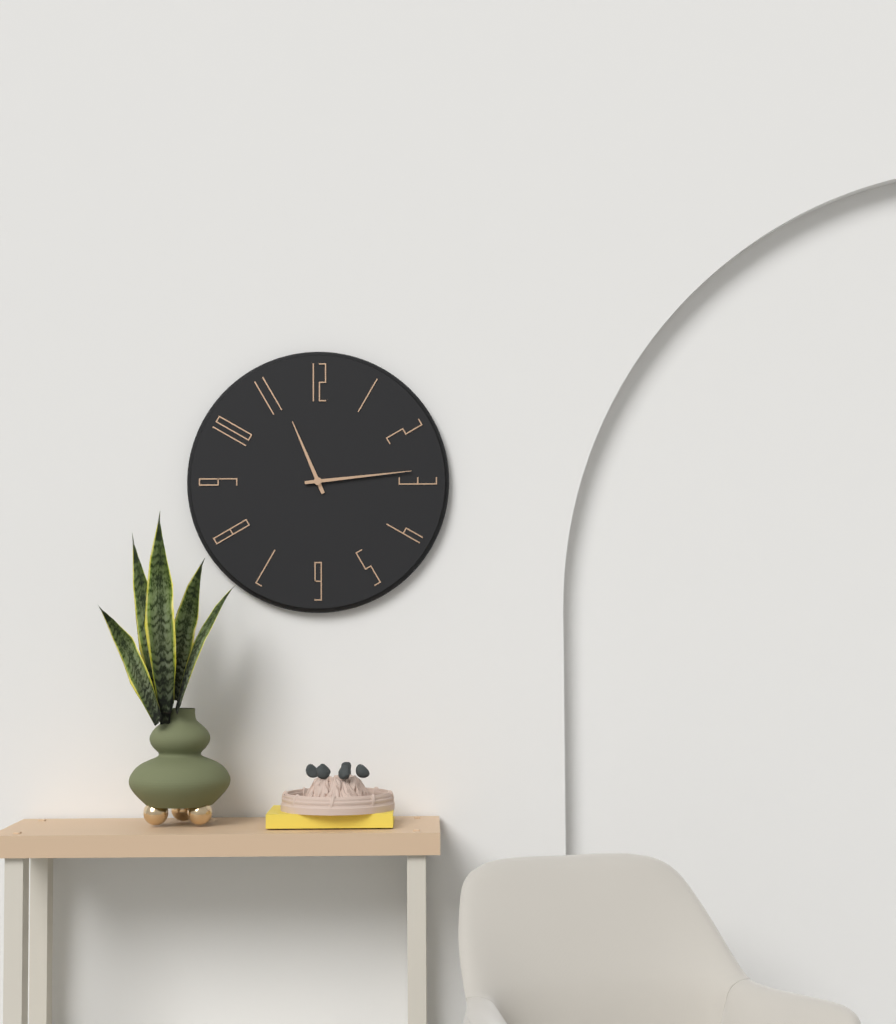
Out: h=11 m=14
